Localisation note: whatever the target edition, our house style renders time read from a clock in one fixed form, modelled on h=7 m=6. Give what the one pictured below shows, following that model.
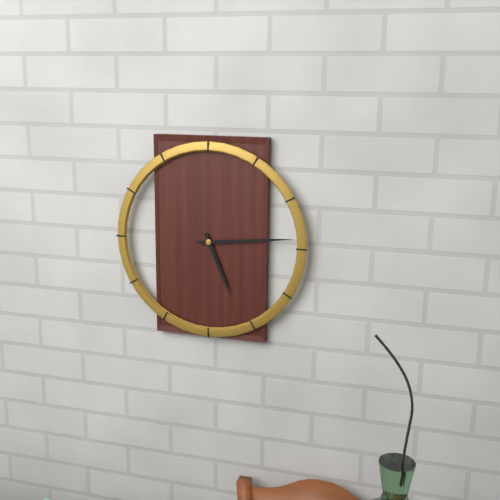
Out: h=5 m=14
